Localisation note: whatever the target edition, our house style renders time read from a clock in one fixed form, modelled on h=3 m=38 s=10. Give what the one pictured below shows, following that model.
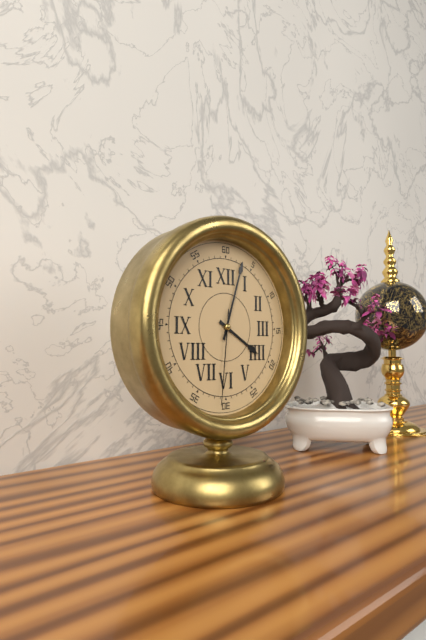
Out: h=4 m=3 s=31
